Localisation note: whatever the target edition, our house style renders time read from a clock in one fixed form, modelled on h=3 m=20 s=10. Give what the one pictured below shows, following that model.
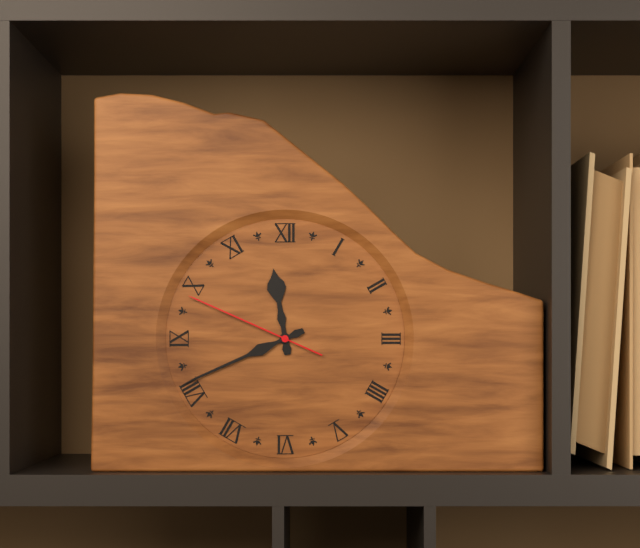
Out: h=11 m=41 s=49
